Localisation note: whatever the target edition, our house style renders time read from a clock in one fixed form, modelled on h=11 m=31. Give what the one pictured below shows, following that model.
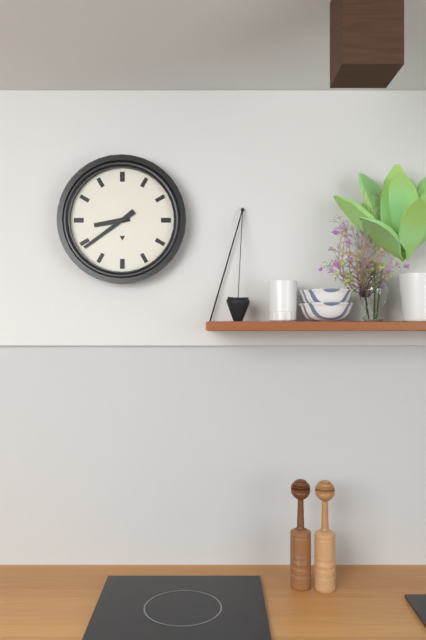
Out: h=8 m=39
